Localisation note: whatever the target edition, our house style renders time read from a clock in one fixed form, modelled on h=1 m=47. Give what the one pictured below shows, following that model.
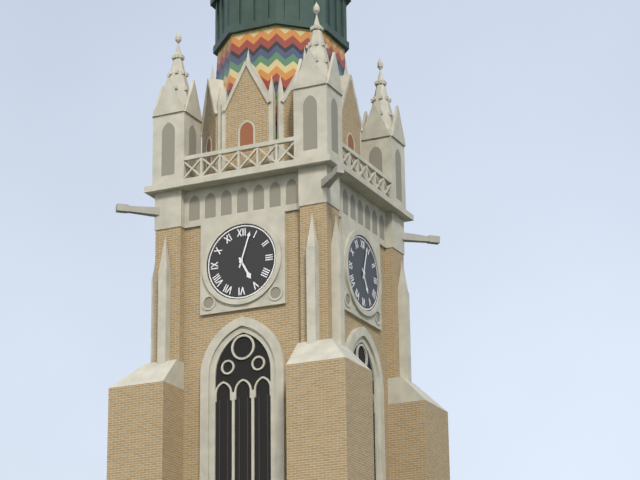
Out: h=5 m=3
